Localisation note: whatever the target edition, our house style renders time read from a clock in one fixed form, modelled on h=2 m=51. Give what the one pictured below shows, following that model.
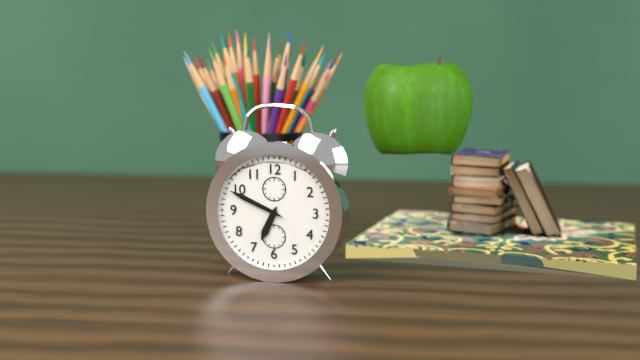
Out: h=6 m=49
